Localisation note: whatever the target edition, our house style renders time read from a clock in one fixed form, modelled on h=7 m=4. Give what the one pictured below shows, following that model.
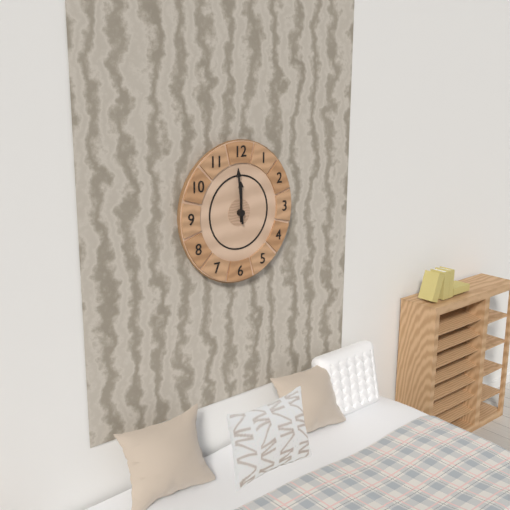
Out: h=11 m=59
